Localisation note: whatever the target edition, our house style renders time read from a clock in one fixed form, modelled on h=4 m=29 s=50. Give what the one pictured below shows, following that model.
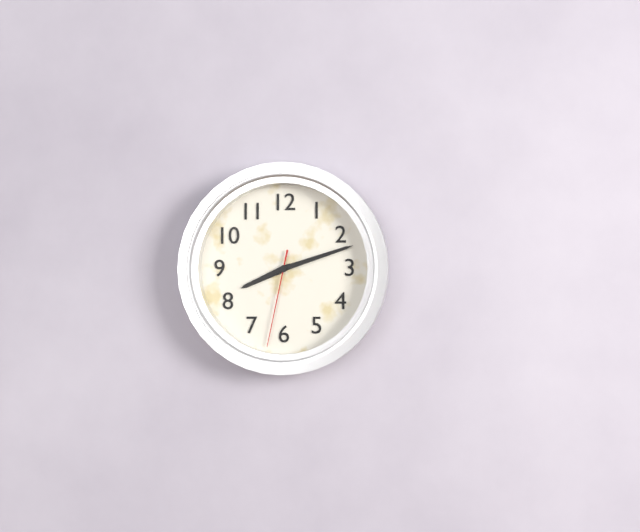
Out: h=8 m=12 s=32
